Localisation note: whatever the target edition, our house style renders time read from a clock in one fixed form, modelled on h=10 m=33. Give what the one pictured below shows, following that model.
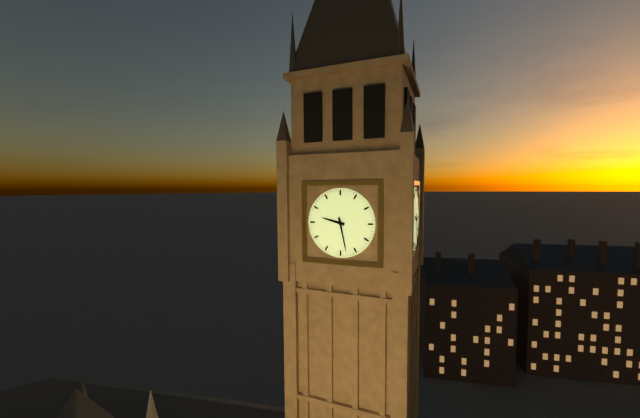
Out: h=9 m=28
